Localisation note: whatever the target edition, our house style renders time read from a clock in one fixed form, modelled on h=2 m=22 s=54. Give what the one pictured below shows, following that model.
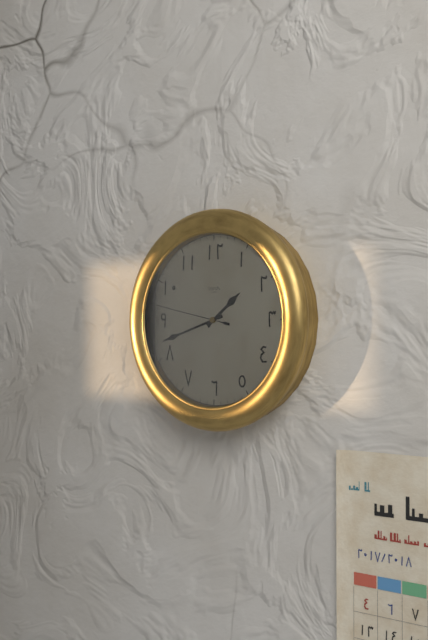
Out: h=1 m=42 s=47
